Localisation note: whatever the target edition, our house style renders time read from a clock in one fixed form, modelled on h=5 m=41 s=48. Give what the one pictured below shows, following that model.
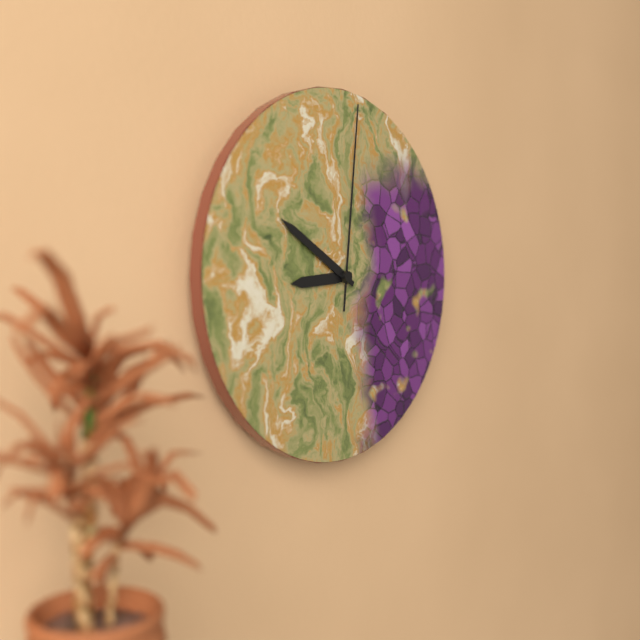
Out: h=8 m=50 s=1
